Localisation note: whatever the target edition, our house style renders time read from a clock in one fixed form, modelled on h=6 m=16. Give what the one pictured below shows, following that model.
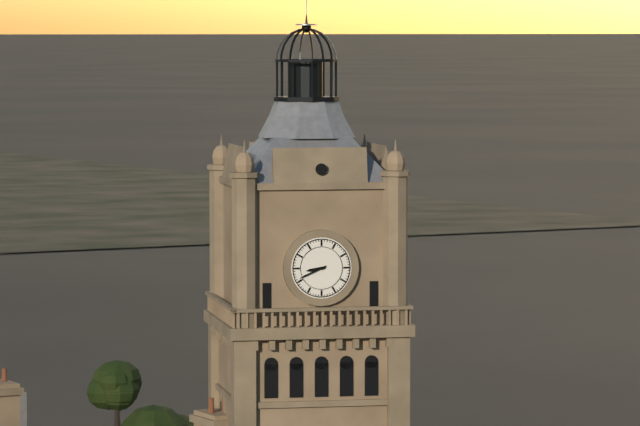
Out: h=8 m=41
